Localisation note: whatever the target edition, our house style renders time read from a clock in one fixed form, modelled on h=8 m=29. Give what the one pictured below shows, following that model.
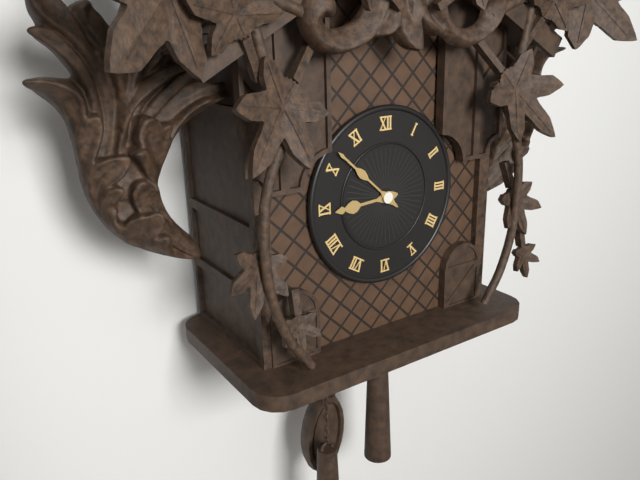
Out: h=8 m=52
